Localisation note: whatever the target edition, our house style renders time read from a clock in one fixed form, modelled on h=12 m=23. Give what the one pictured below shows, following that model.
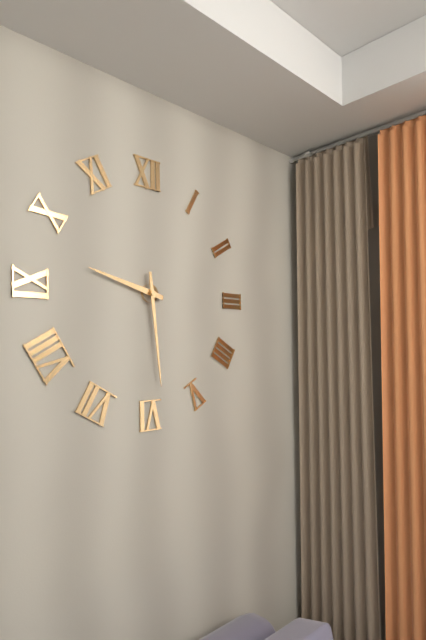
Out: h=9 m=29
